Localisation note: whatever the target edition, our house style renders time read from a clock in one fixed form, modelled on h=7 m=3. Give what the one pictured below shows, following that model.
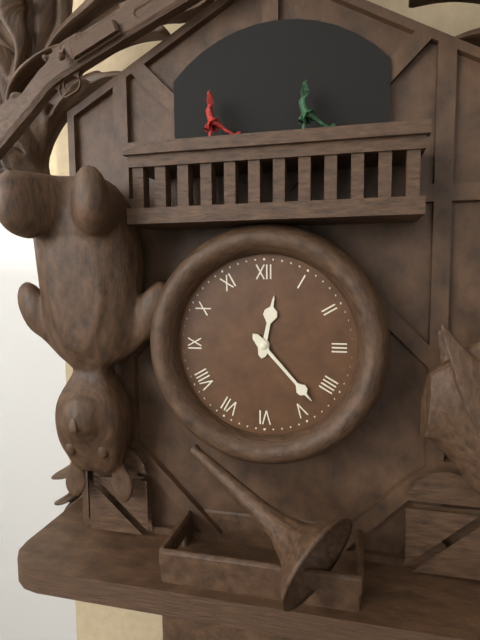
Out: h=12 m=23
